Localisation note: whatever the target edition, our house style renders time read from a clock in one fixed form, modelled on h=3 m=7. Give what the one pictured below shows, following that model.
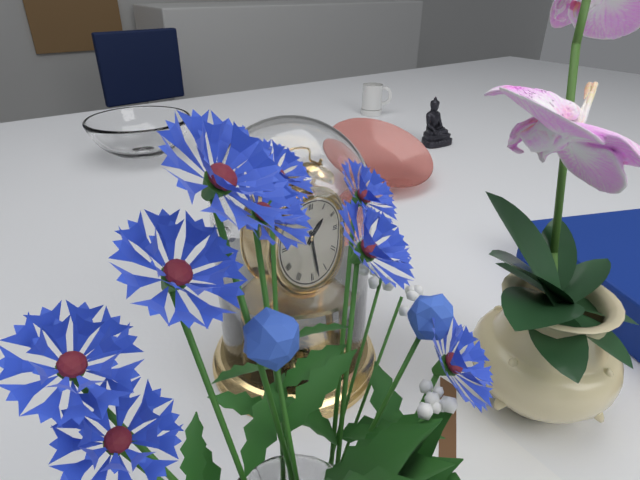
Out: h=1 m=28
